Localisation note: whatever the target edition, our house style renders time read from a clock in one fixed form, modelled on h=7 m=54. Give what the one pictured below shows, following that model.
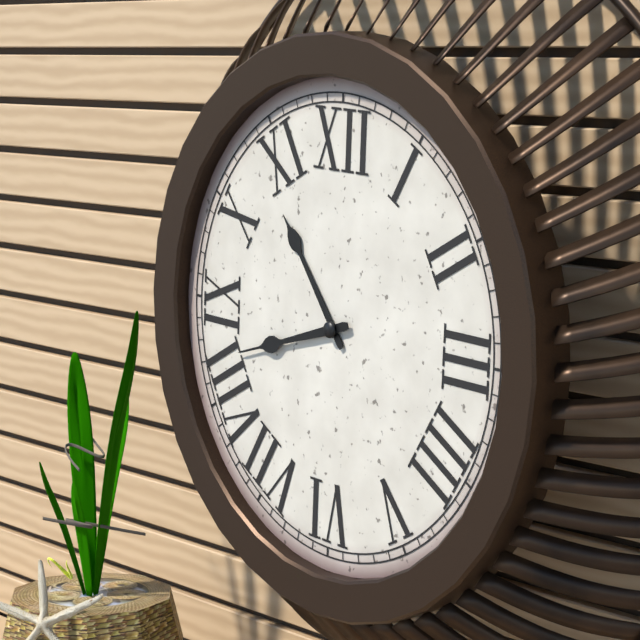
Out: h=10 m=42
